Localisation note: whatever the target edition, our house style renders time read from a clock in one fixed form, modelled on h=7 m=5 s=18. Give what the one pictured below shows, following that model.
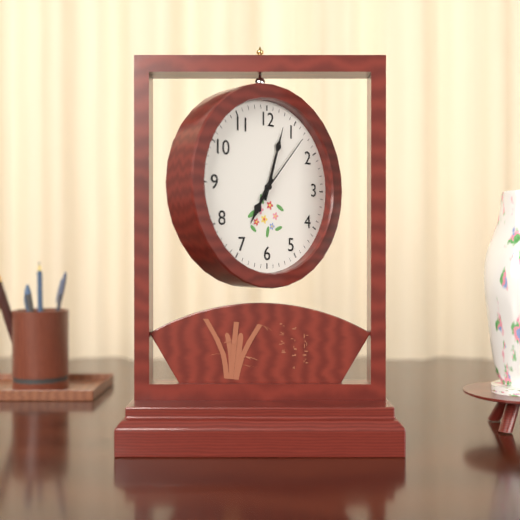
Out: h=7 m=3 s=7
